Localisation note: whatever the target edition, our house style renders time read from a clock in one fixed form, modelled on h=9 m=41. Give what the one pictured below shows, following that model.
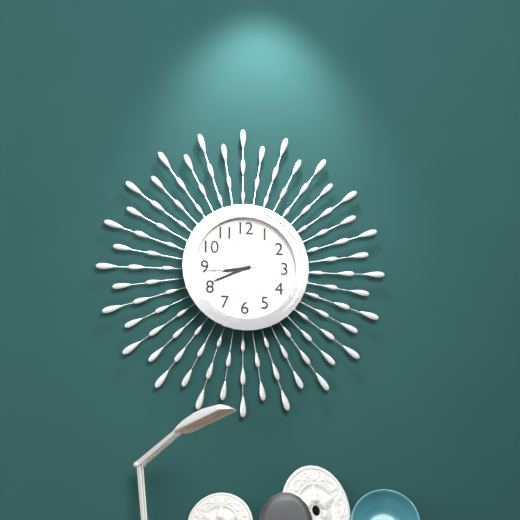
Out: h=8 m=41
